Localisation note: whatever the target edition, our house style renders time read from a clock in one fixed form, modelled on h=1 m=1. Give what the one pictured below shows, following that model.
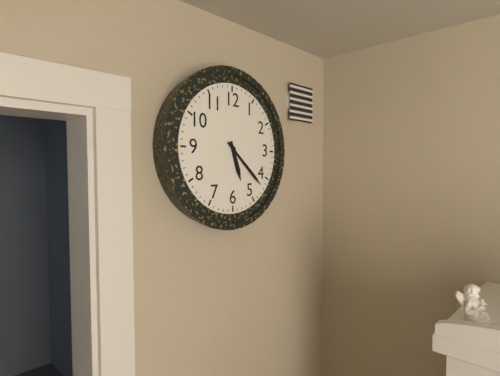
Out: h=5 m=22
